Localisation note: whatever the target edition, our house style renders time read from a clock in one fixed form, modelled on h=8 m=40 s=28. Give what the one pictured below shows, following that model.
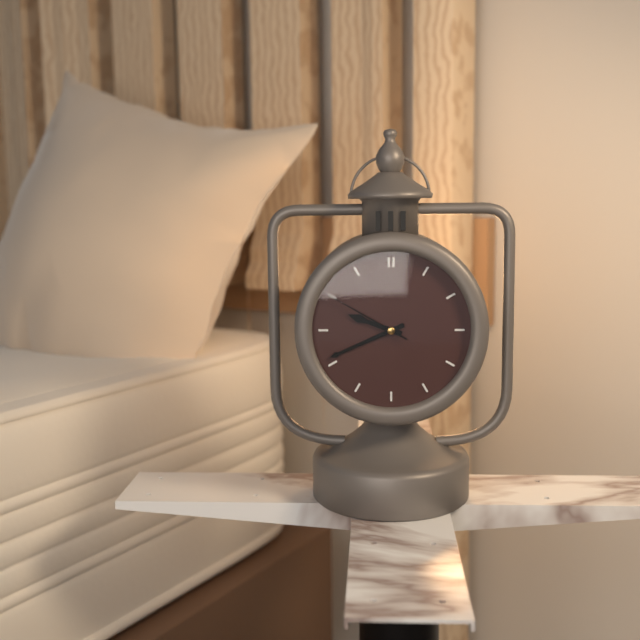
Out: h=9 m=41 s=50
